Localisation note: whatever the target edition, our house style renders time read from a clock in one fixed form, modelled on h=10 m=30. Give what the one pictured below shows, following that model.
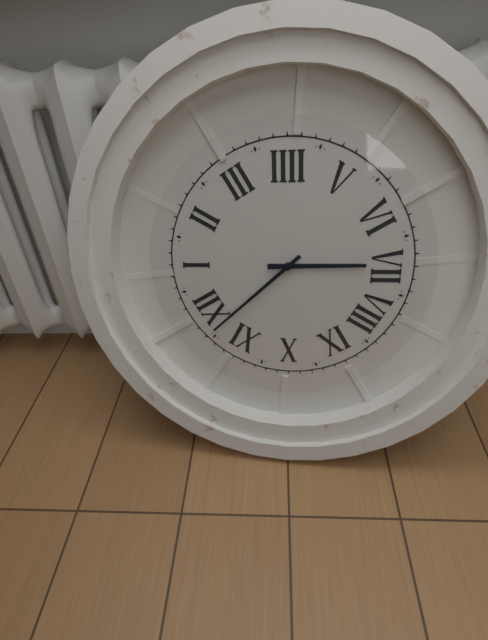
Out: h=6 m=58
